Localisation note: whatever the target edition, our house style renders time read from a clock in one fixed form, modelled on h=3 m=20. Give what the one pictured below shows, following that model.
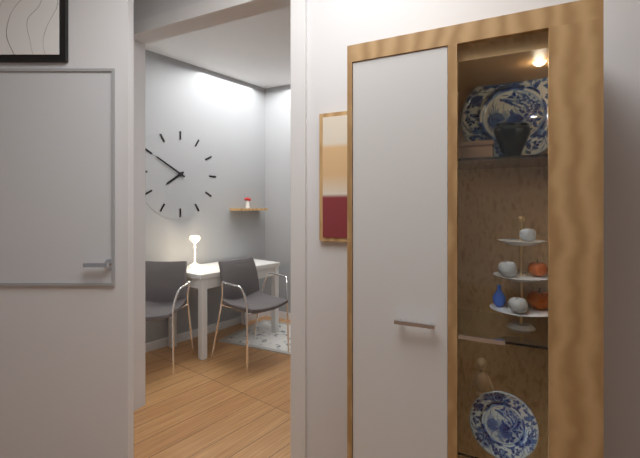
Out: h=7 m=50
